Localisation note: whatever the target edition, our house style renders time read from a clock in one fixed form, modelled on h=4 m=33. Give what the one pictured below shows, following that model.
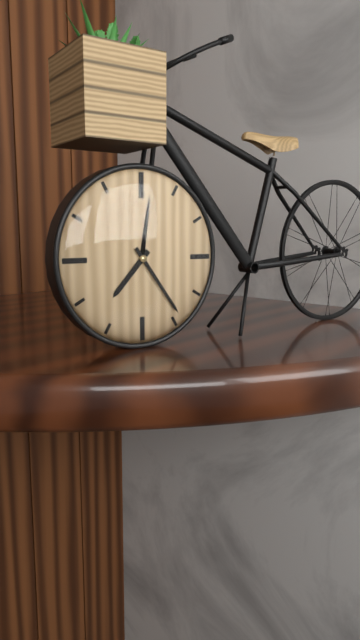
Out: h=7 m=24
